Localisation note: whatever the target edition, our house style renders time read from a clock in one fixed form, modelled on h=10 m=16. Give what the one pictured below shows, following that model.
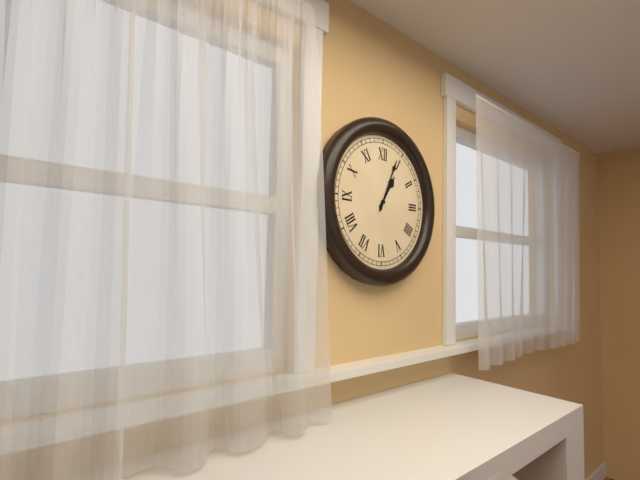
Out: h=1 m=4
